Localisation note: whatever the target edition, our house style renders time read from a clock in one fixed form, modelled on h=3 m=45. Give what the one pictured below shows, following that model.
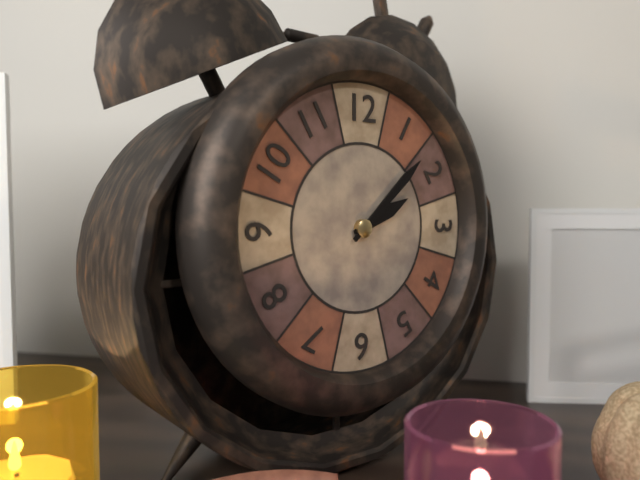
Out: h=2 m=8
